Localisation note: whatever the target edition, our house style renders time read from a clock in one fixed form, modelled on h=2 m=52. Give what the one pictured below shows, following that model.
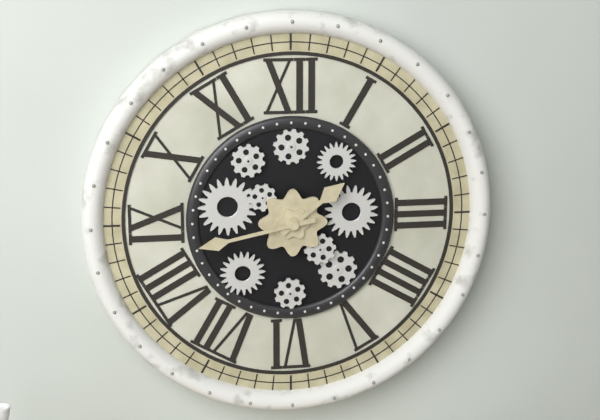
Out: h=1 m=43
